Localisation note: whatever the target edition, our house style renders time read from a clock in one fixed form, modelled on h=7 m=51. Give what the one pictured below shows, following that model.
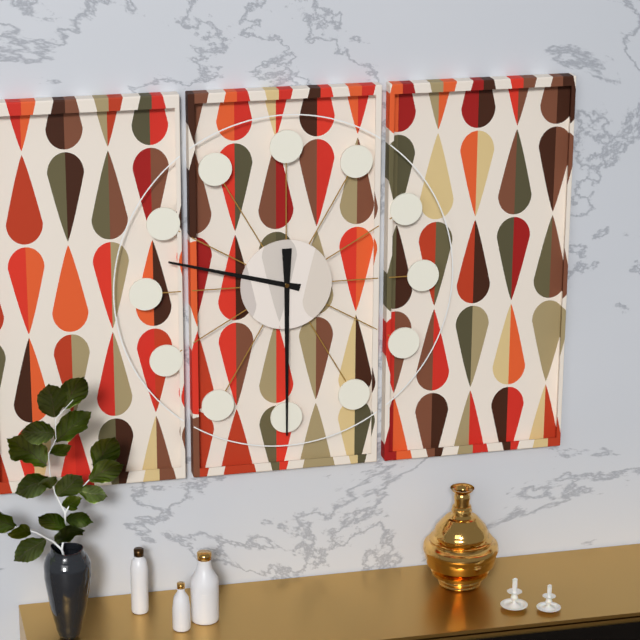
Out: h=9 m=30
